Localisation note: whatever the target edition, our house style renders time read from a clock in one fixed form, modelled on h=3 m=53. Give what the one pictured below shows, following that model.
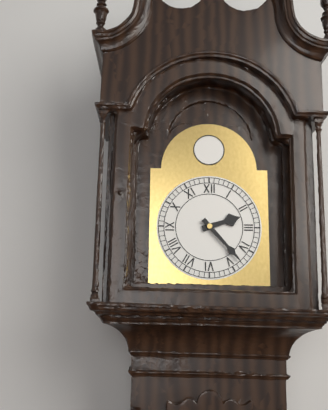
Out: h=2 m=23
